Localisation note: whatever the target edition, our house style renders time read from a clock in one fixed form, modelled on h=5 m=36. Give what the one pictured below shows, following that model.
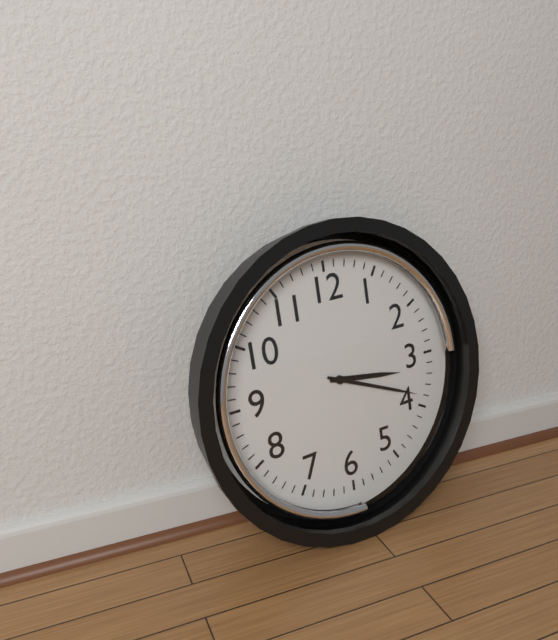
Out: h=3 m=19
